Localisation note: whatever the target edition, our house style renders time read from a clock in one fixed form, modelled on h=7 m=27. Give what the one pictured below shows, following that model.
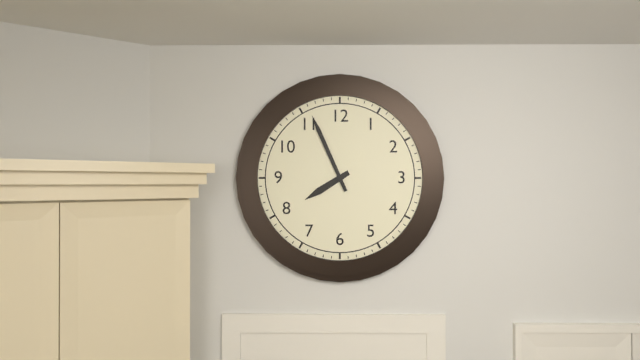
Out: h=7 m=56
